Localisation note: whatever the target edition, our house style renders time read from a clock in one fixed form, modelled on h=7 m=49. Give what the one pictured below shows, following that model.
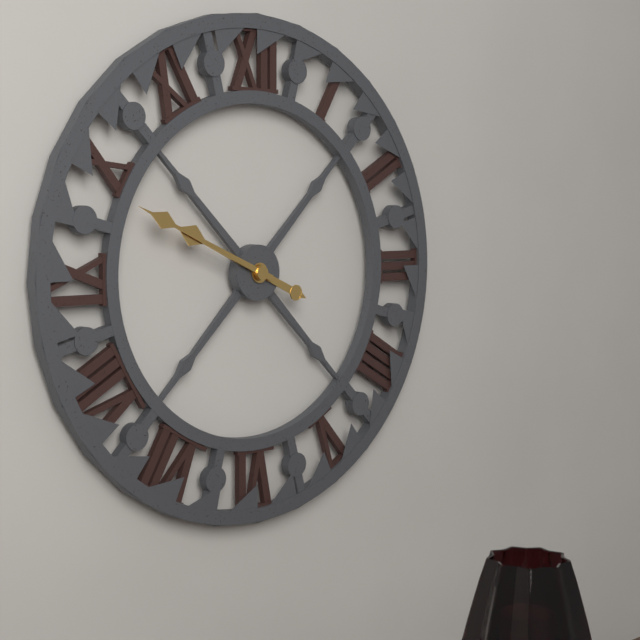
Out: h=9 m=49
